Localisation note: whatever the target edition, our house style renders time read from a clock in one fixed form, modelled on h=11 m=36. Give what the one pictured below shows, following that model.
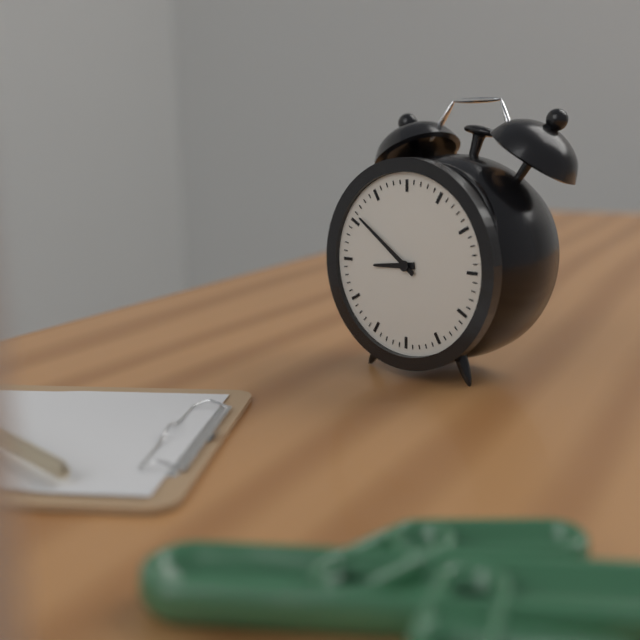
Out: h=8 m=51
